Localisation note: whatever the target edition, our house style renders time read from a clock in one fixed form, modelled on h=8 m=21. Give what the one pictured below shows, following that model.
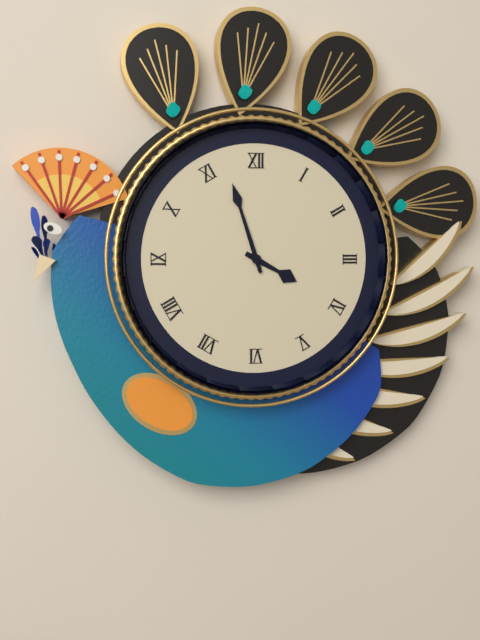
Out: h=3 m=57
